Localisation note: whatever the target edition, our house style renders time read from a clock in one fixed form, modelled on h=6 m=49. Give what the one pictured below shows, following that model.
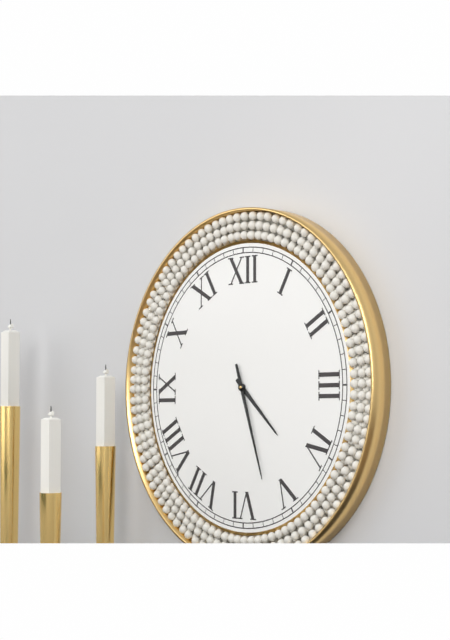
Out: h=4 m=27
